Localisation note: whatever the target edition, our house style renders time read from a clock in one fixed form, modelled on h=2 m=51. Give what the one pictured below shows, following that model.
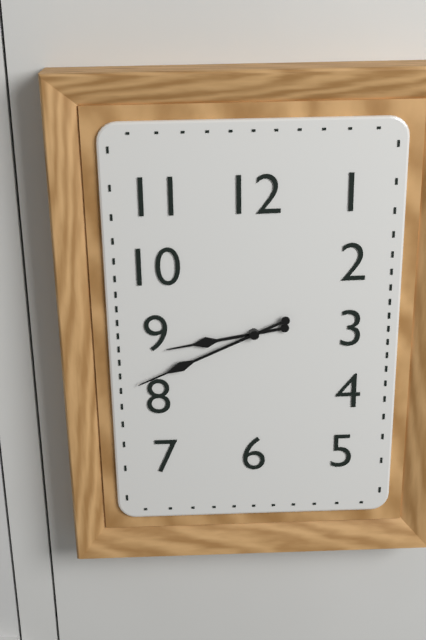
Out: h=8 m=41
